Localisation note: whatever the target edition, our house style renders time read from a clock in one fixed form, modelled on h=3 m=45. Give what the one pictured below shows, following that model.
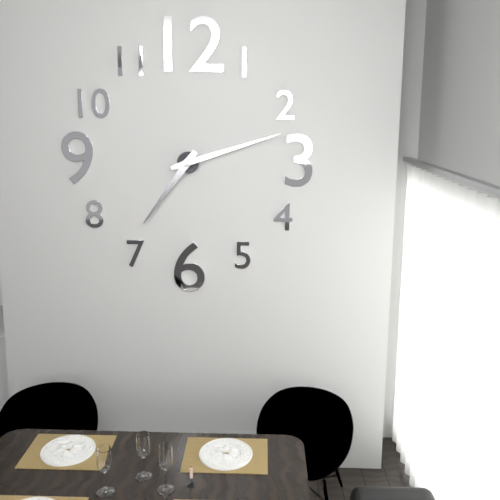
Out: h=7 m=12
